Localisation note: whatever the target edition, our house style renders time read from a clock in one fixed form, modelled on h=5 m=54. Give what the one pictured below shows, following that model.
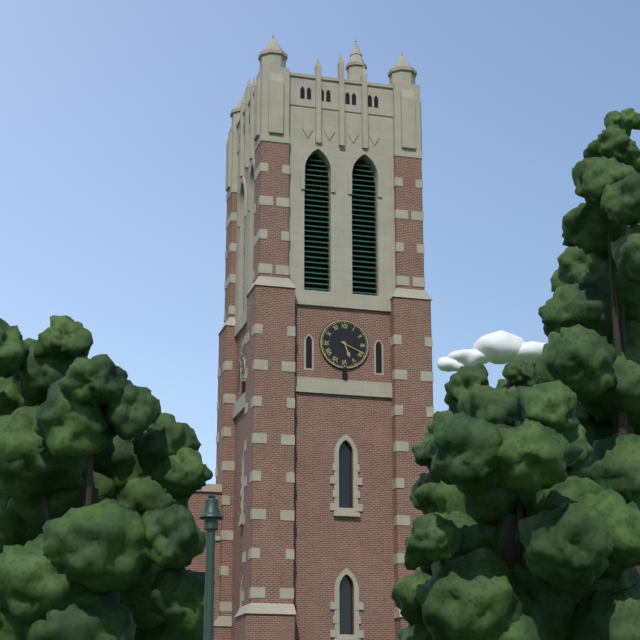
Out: h=5 m=19
